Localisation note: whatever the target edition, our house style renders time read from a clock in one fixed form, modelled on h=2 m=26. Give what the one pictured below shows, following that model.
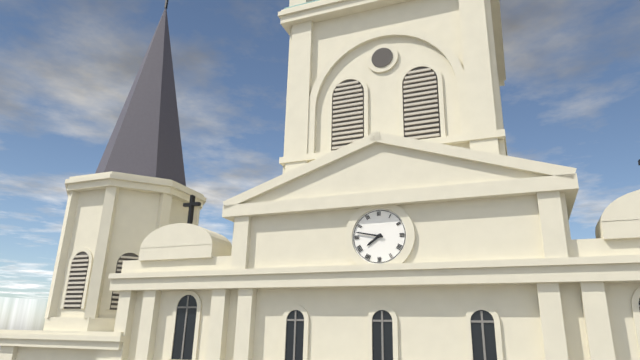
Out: h=7 m=47
